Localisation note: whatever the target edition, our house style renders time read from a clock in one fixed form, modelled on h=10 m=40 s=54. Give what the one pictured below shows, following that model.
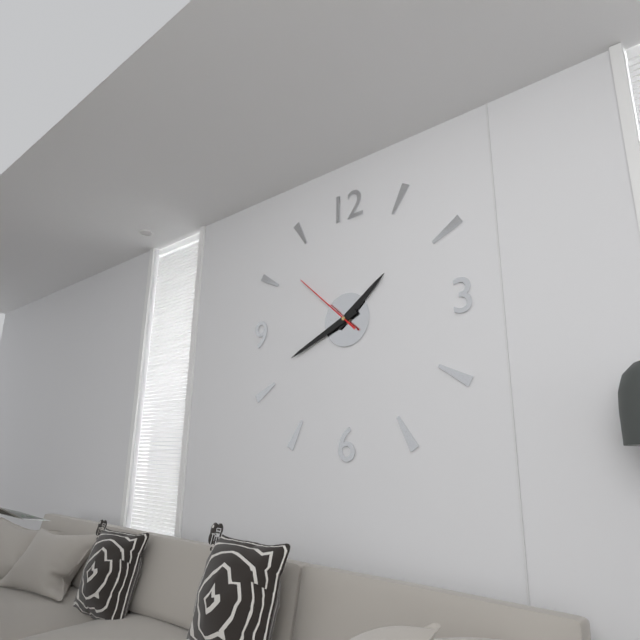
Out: h=1 m=41 s=52
